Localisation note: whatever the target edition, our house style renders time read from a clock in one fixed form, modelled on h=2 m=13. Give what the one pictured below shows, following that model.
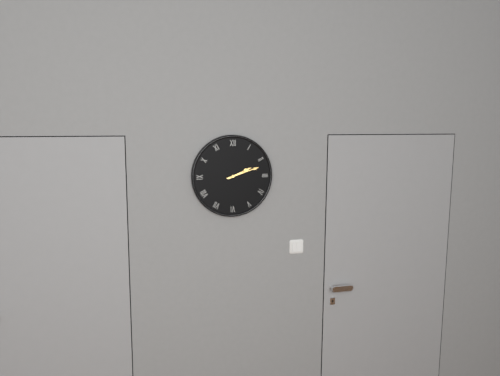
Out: h=2 m=12
